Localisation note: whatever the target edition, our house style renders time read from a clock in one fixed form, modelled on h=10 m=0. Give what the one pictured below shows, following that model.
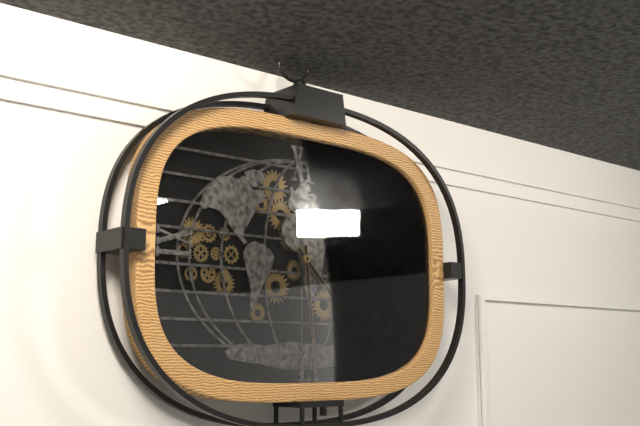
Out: h=4 m=29
